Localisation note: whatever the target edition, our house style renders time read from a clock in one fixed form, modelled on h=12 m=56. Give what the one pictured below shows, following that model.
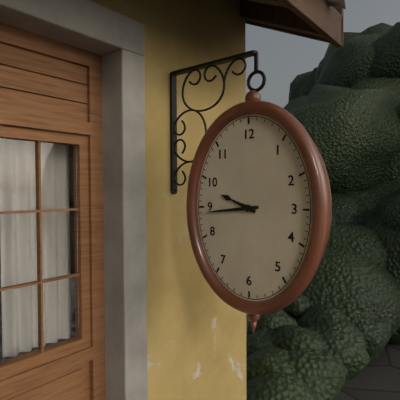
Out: h=9 m=44
